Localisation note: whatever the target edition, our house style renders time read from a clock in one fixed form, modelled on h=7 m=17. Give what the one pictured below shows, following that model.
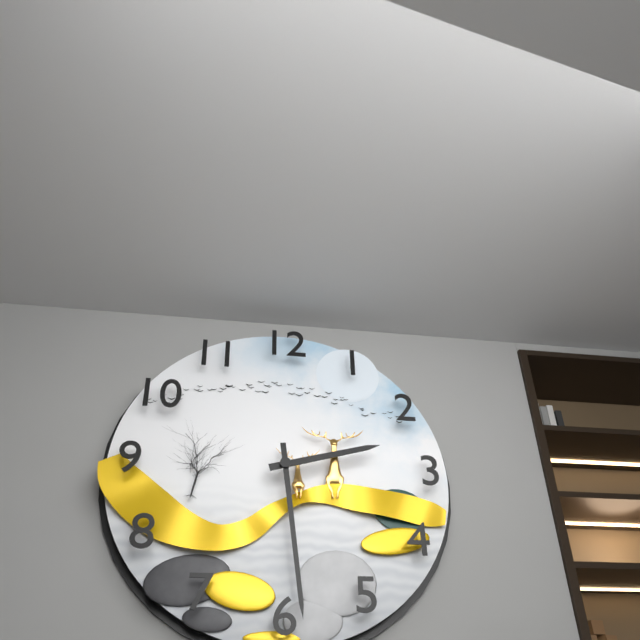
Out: h=2 m=29
